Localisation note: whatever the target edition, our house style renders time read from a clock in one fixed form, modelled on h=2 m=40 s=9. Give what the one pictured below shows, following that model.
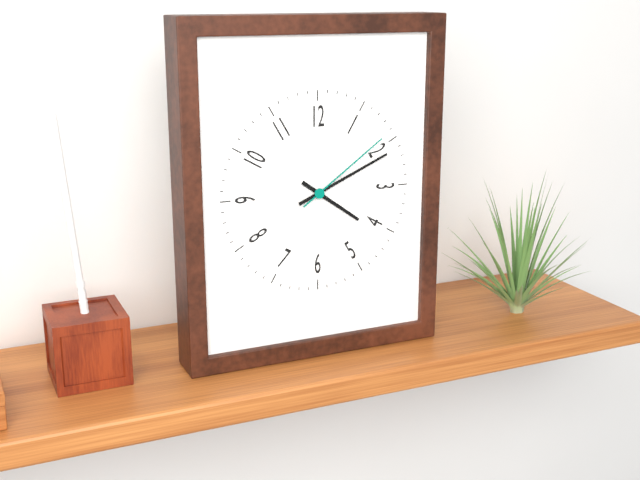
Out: h=4 m=11 s=9
